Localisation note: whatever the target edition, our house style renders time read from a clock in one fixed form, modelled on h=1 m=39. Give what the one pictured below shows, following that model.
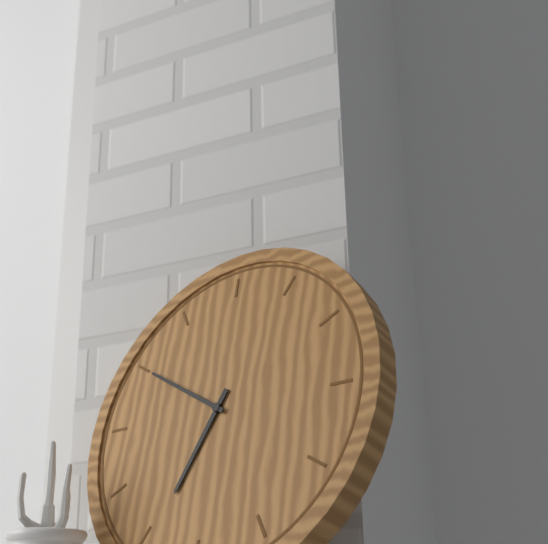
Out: h=6 m=50
